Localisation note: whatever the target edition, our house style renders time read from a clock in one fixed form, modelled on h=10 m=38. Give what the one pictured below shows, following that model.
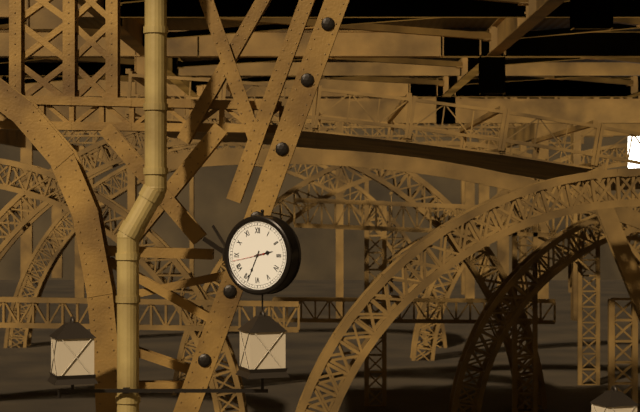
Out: h=2 m=34
